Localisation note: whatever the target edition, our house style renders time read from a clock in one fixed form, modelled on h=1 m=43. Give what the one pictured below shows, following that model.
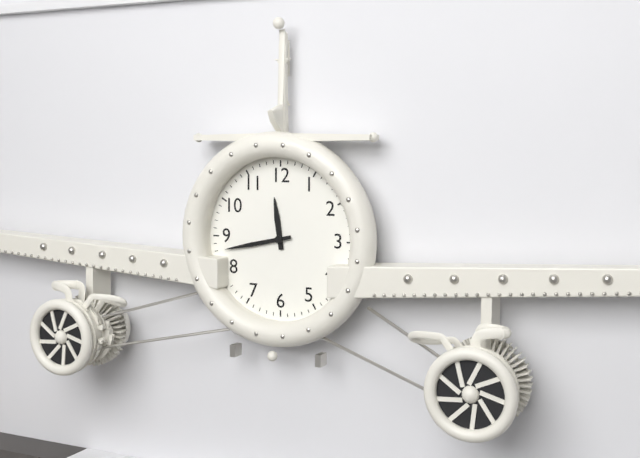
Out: h=11 m=43
